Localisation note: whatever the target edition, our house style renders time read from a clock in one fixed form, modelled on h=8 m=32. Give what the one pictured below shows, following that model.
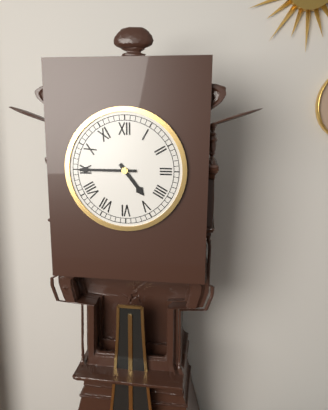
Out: h=4 m=45
